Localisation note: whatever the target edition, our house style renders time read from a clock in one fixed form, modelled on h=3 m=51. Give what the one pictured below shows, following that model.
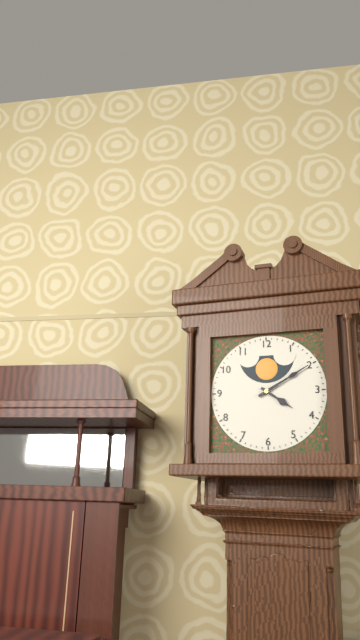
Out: h=4 m=10
